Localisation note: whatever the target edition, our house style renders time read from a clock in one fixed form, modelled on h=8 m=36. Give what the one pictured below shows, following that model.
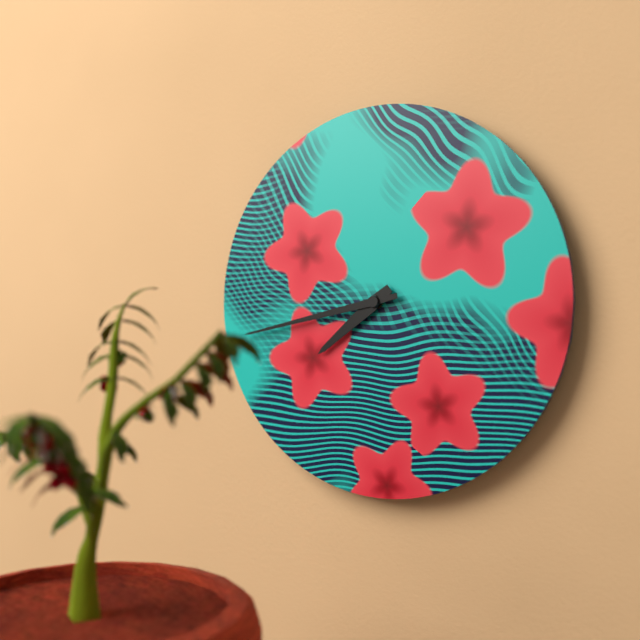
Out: h=7 m=43
